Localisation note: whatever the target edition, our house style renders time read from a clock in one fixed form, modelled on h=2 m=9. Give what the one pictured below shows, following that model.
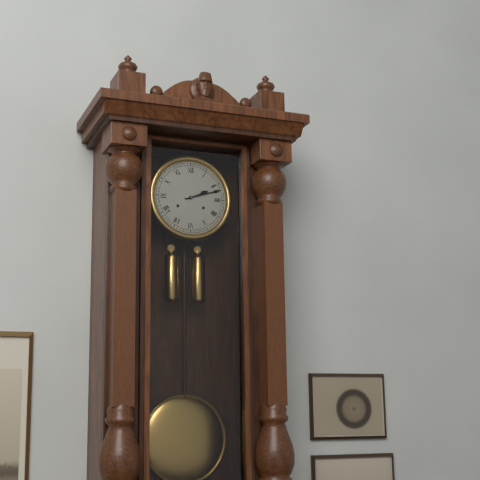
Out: h=2 m=12
